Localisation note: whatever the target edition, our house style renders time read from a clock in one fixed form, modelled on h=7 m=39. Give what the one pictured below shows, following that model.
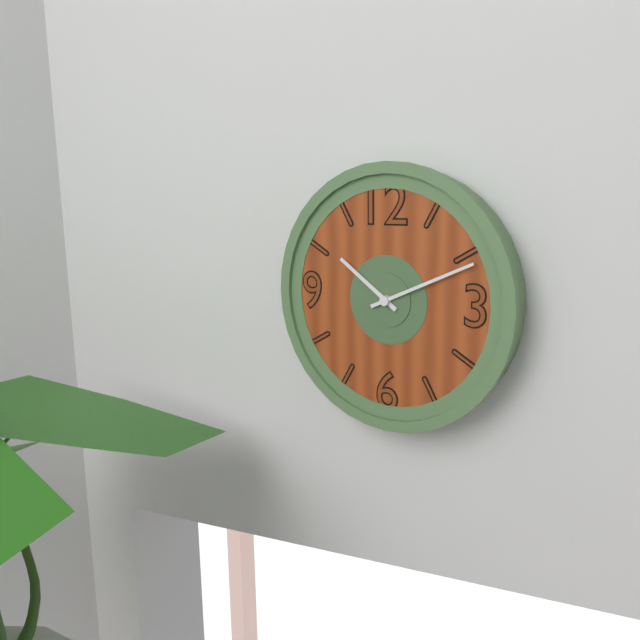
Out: h=10 m=11
